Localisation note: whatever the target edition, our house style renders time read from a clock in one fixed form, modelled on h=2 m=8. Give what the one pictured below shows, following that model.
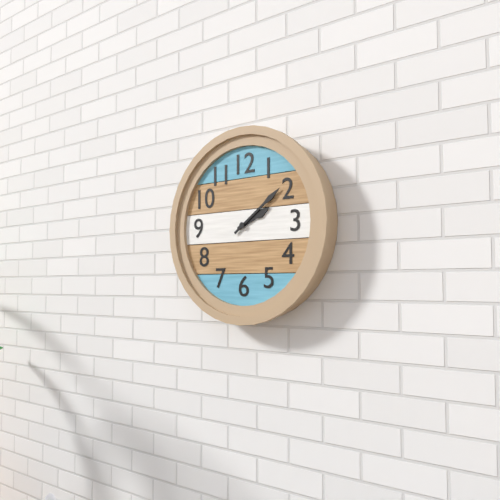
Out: h=2 m=9
